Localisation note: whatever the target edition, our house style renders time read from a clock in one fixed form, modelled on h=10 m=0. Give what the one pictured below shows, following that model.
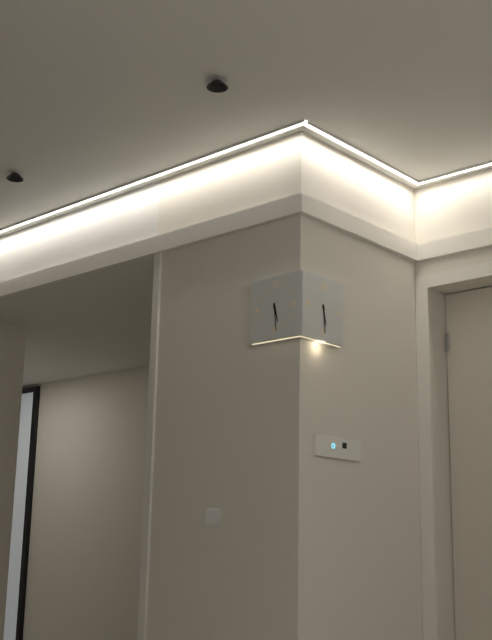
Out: h=5 m=29
